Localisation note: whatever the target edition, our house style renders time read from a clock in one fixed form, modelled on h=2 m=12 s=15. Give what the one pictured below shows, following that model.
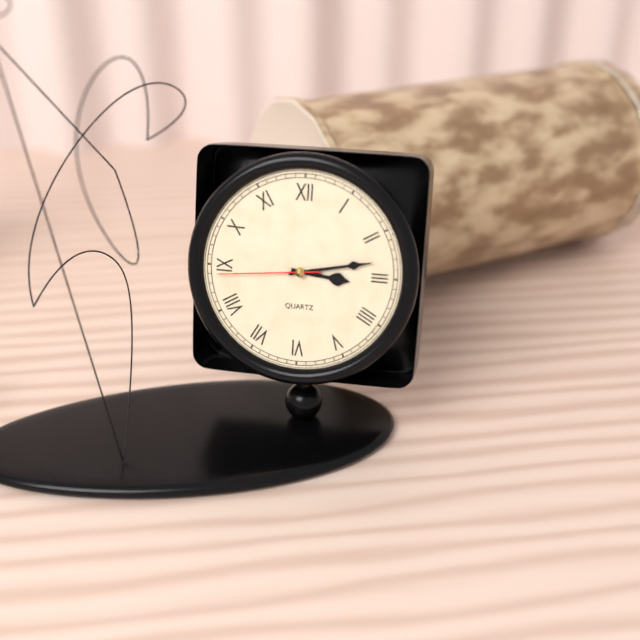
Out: h=3 m=13 s=44
